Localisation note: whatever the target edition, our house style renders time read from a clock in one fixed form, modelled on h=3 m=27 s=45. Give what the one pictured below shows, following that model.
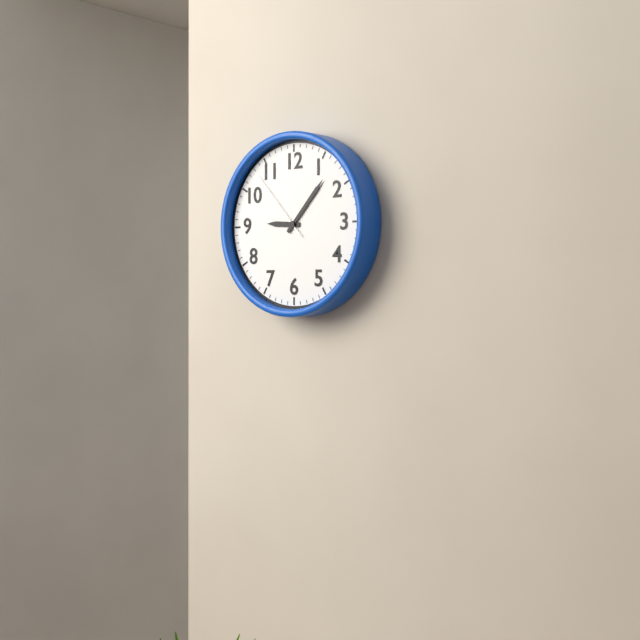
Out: h=9 m=7 s=53
